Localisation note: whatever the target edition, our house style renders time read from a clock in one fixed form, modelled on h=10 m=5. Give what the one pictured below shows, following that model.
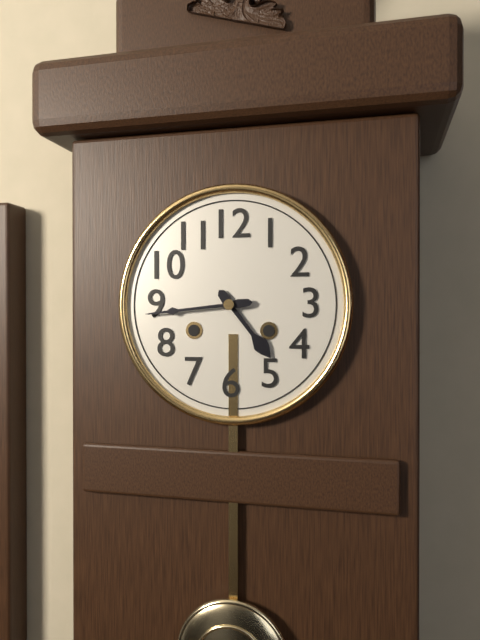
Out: h=4 m=44
